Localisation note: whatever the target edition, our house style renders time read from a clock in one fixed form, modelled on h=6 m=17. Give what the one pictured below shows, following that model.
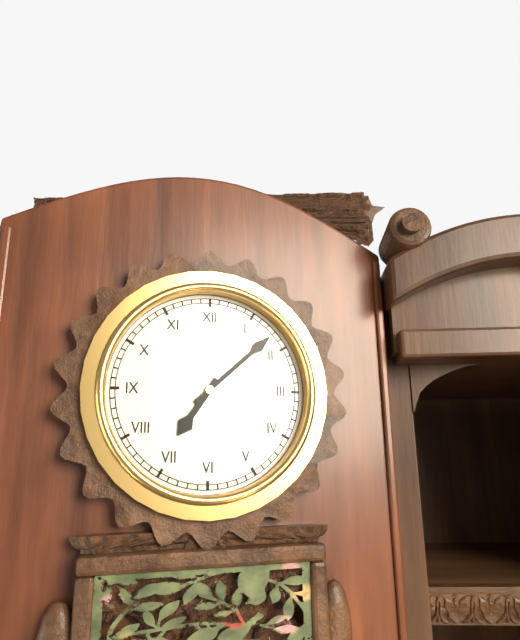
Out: h=7 m=8
